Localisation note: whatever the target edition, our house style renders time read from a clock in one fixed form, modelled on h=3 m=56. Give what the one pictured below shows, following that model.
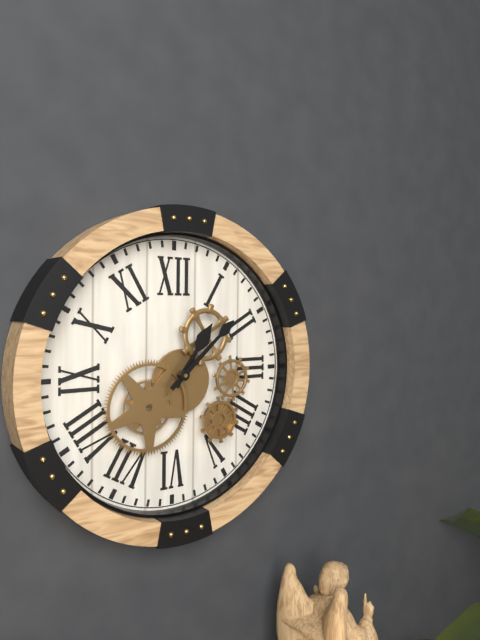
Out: h=1 m=8
